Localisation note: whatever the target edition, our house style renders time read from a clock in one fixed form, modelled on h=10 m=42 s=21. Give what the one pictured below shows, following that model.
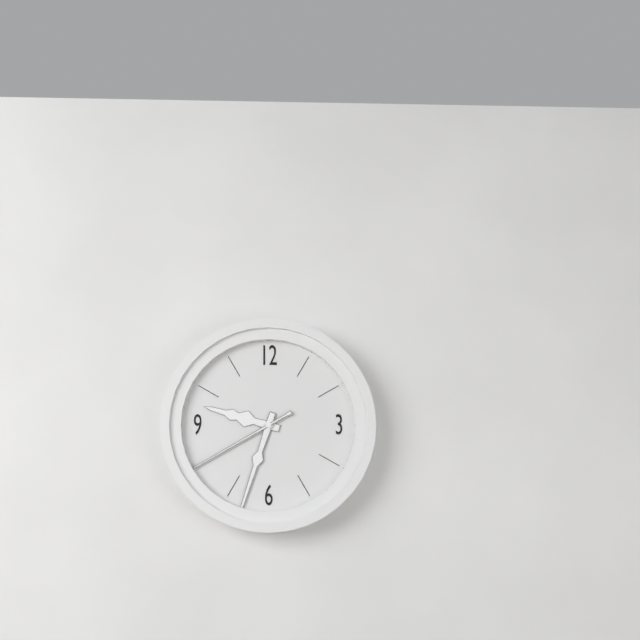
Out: h=9 m=33 s=40
